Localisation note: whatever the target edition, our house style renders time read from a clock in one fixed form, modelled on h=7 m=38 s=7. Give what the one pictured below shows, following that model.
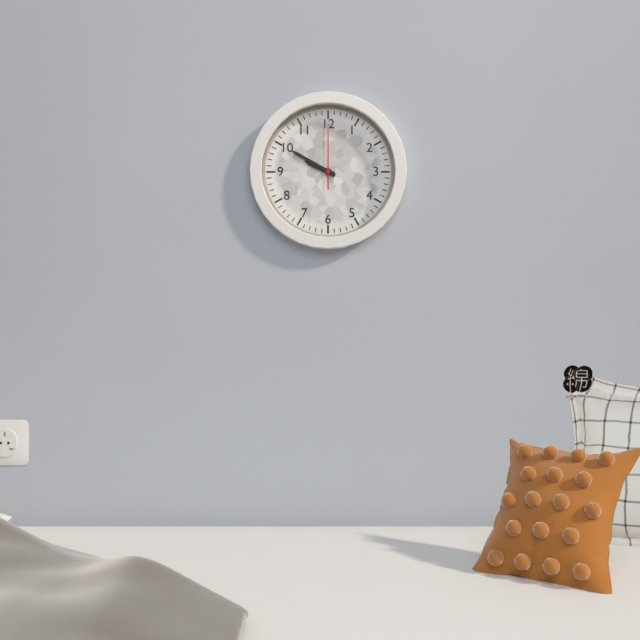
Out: h=9 m=50 s=0
